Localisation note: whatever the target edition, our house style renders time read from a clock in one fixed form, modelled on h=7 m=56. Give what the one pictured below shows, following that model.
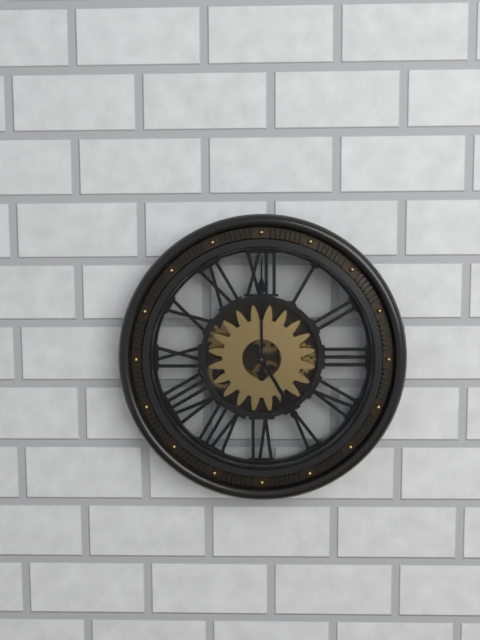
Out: h=5 m=0
